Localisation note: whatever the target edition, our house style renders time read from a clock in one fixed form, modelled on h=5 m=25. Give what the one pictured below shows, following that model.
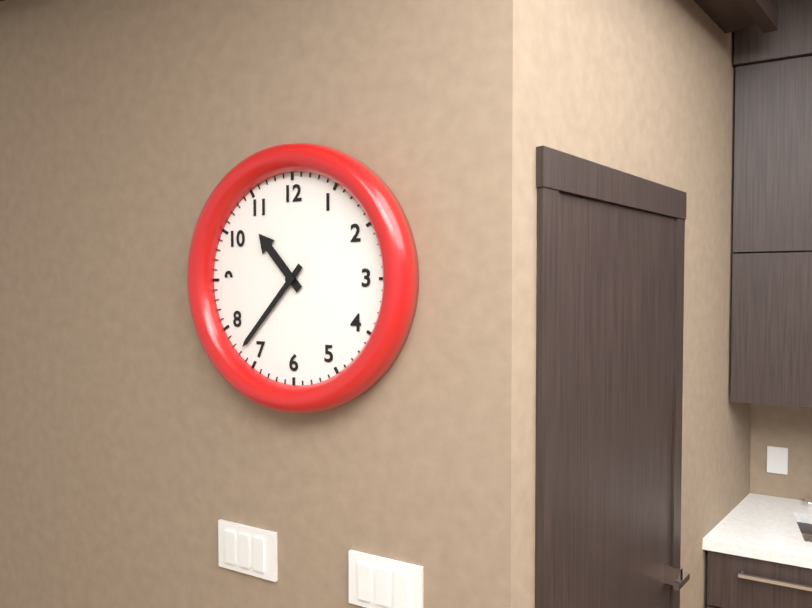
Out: h=10 m=37
